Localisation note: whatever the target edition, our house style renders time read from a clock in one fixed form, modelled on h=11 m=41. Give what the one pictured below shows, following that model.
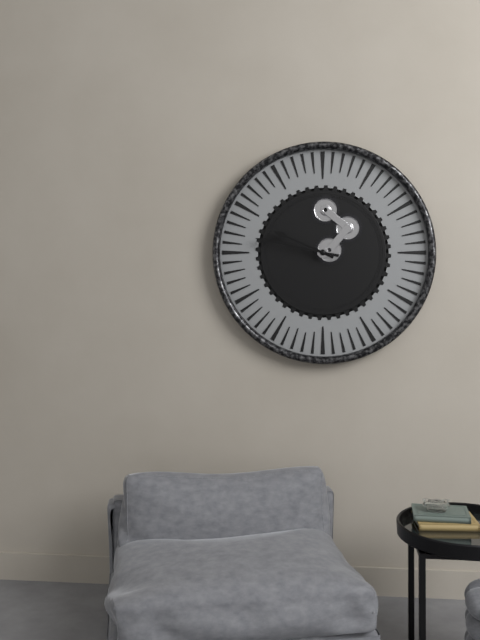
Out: h=9 m=47
